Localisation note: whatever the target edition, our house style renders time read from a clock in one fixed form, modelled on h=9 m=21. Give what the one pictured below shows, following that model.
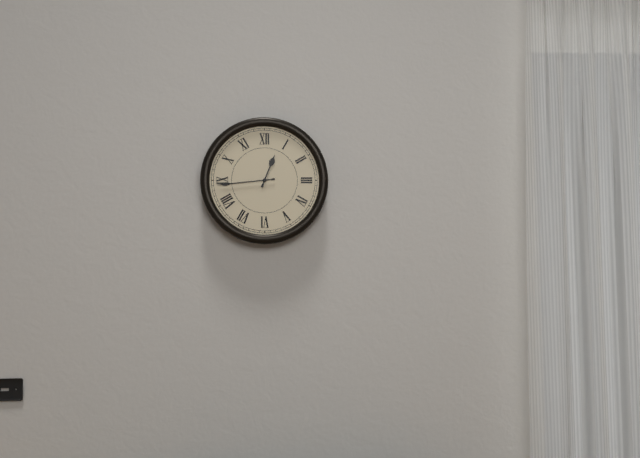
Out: h=12 m=44
